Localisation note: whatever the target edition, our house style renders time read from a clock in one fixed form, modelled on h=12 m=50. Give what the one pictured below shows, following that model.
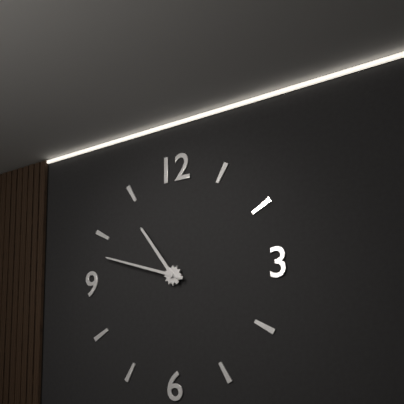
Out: h=10 m=48
